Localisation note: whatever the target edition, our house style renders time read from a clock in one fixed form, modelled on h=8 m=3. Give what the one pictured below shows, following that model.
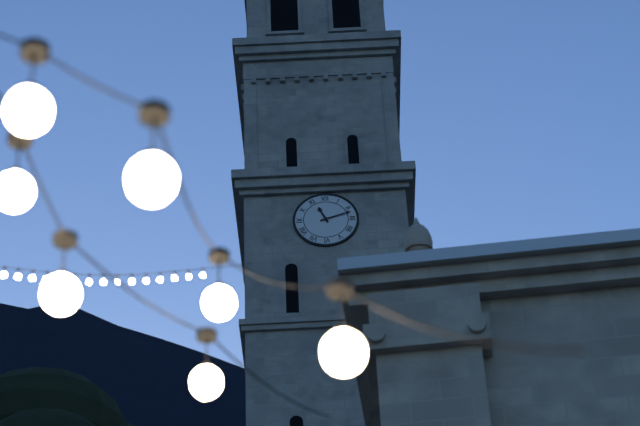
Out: h=11 m=12
